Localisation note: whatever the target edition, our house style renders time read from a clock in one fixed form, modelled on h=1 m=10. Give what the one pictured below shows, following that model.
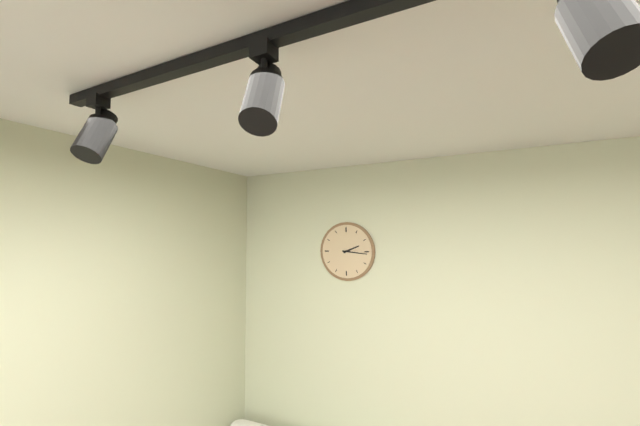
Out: h=2 m=16
